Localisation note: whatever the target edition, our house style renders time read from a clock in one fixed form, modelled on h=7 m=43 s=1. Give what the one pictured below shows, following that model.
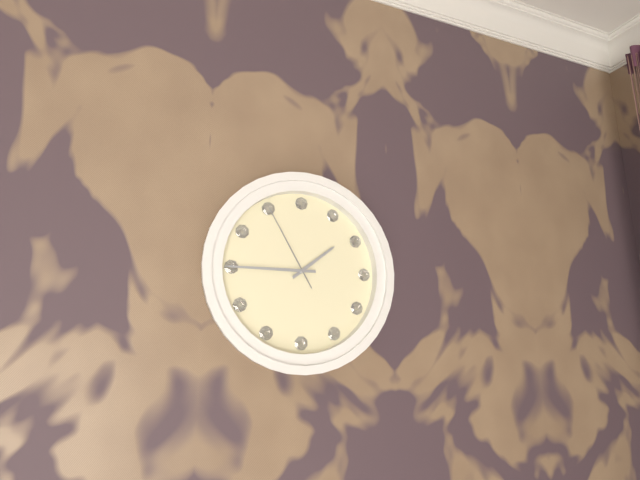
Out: h=1 m=45 s=55
